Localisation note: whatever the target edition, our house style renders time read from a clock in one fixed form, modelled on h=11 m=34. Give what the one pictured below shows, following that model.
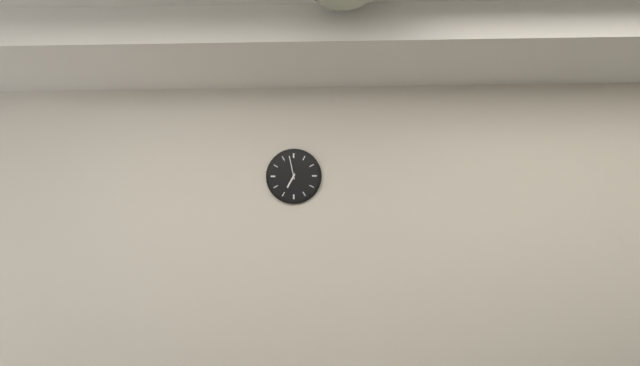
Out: h=6 m=58
